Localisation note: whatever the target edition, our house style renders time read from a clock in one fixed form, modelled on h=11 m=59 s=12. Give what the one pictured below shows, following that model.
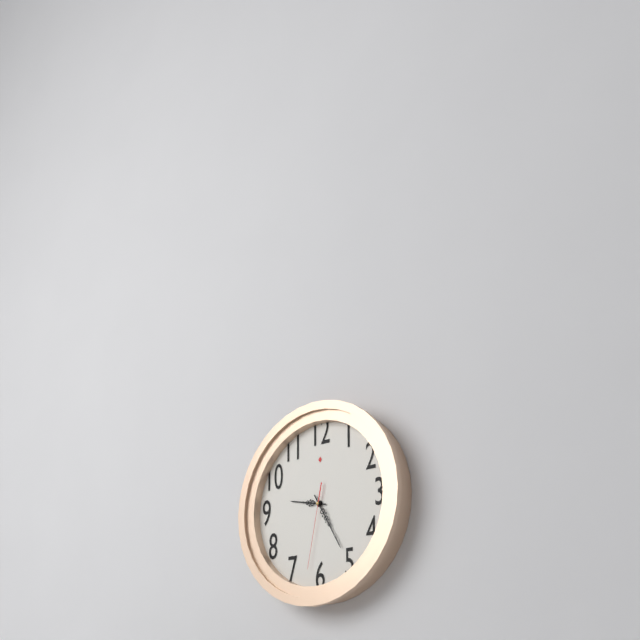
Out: h=9 m=25 s=32
